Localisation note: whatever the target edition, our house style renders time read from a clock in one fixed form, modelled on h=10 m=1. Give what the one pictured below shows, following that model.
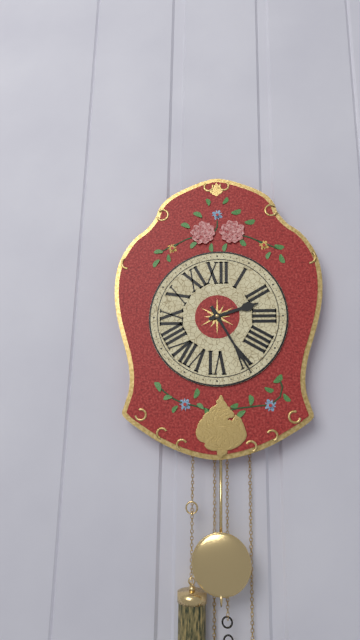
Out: h=2 m=25
